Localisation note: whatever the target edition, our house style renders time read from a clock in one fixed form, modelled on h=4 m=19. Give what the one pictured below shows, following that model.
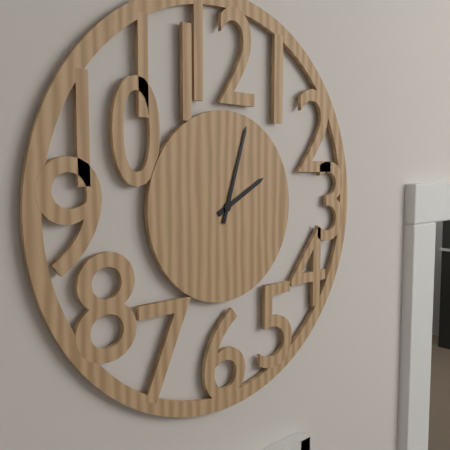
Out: h=2 m=3
